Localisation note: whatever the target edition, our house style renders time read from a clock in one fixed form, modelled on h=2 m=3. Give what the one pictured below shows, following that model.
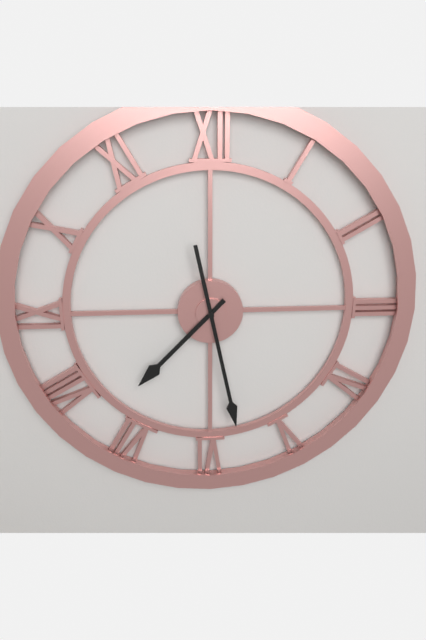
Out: h=7 m=28
